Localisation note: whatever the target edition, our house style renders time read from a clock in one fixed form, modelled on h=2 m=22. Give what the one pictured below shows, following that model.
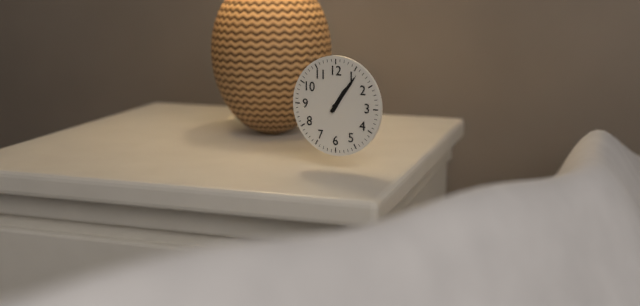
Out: h=1 m=6
